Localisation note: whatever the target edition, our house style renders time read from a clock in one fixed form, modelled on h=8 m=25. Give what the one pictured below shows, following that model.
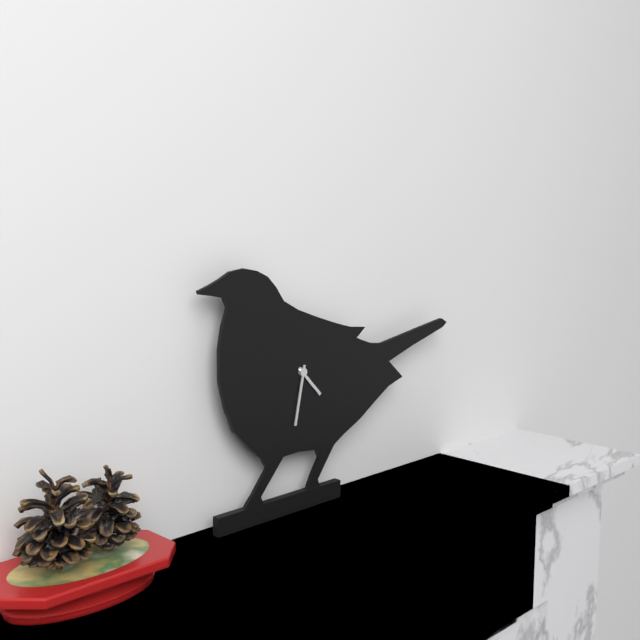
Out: h=4 m=32
